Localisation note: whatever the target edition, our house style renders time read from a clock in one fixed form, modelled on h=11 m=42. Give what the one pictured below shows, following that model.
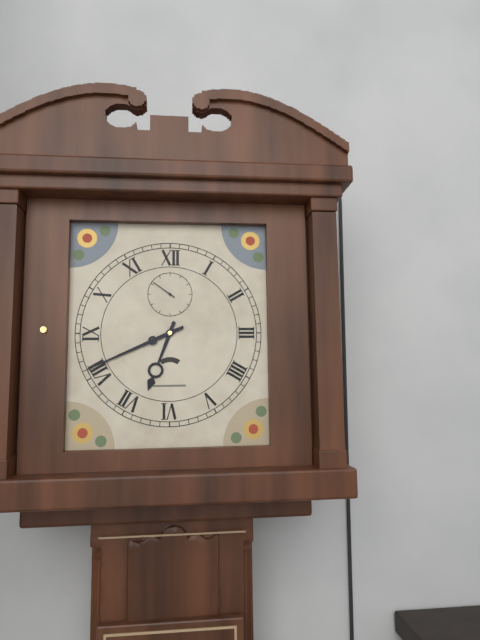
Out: h=6 m=41
